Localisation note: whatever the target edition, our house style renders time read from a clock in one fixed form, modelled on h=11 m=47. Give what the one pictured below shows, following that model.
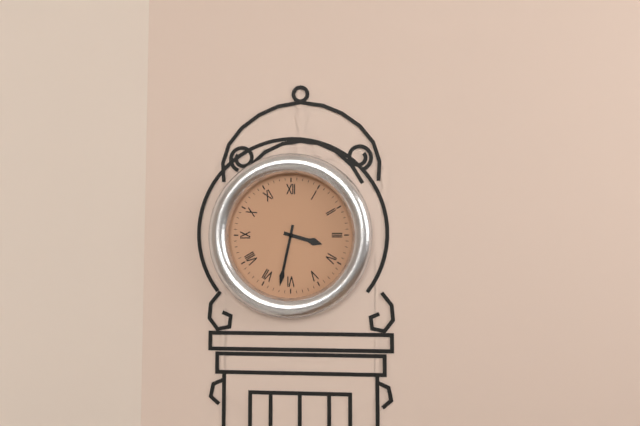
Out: h=3 m=32
